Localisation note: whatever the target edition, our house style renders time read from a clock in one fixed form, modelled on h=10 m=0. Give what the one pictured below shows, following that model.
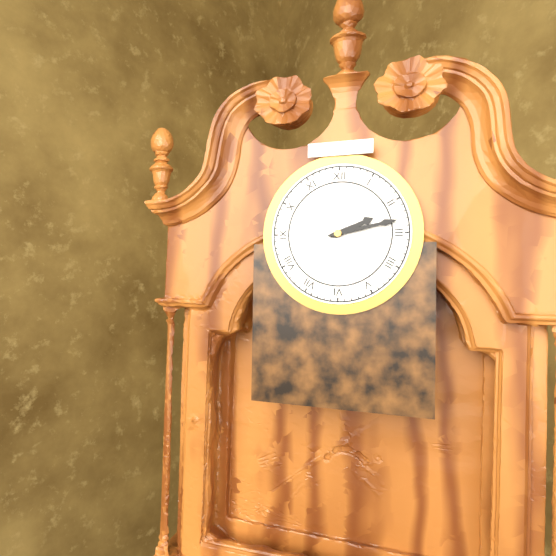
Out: h=2 m=13
